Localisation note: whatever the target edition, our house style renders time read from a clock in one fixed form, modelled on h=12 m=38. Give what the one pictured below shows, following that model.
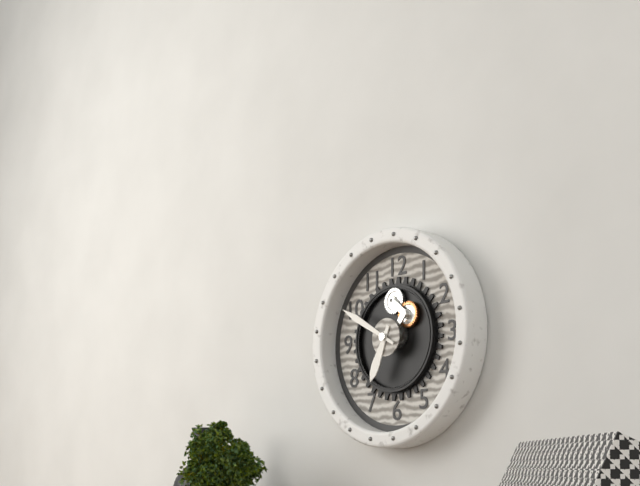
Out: h=6 m=50
